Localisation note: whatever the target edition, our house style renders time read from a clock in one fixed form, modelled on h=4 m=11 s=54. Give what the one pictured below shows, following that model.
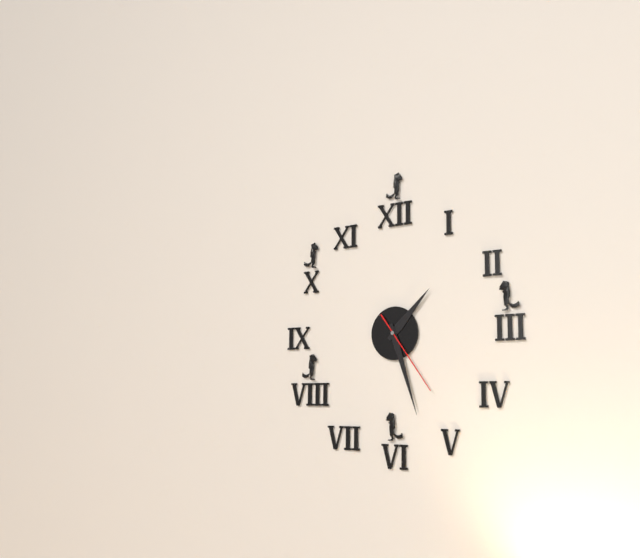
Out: h=1 m=27 s=24
